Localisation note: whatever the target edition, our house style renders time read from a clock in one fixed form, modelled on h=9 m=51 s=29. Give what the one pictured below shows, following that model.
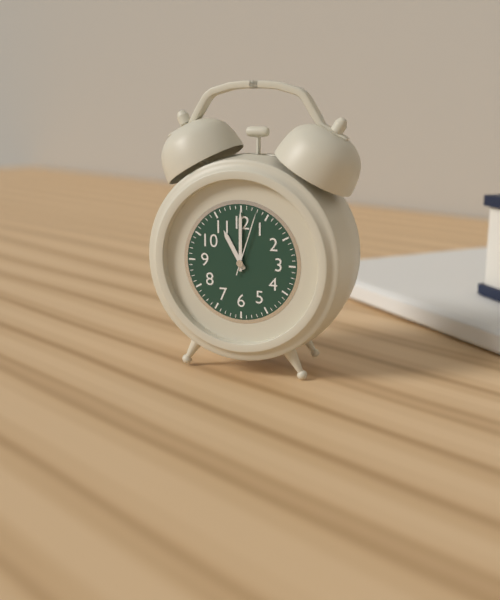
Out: h=11 m=0 s=3
